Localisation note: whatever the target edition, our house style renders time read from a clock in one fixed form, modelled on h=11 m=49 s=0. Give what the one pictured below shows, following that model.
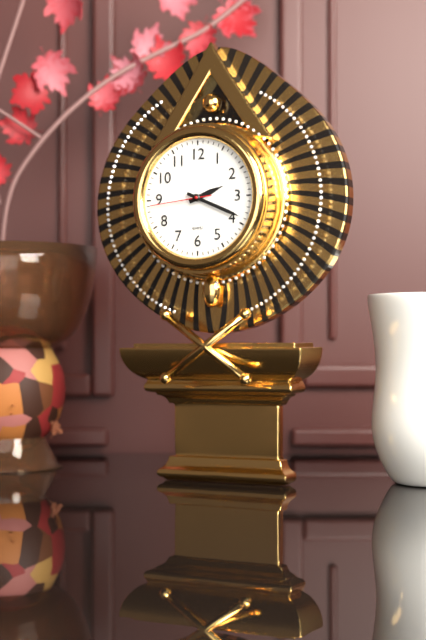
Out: h=2 m=19 s=44
